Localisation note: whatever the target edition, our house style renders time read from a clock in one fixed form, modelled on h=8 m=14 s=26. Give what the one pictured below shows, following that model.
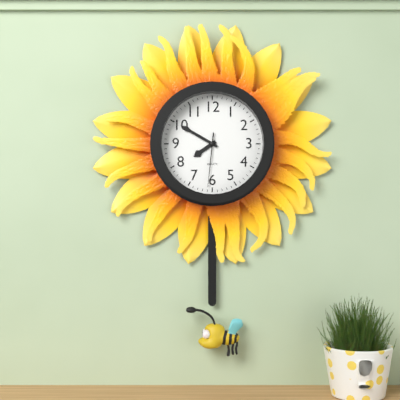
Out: h=7 m=50 s=31
